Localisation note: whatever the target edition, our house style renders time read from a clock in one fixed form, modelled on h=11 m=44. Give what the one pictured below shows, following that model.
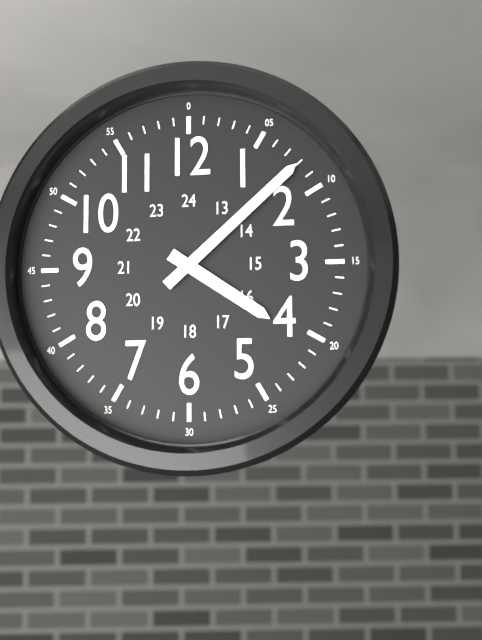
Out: h=4 m=8
